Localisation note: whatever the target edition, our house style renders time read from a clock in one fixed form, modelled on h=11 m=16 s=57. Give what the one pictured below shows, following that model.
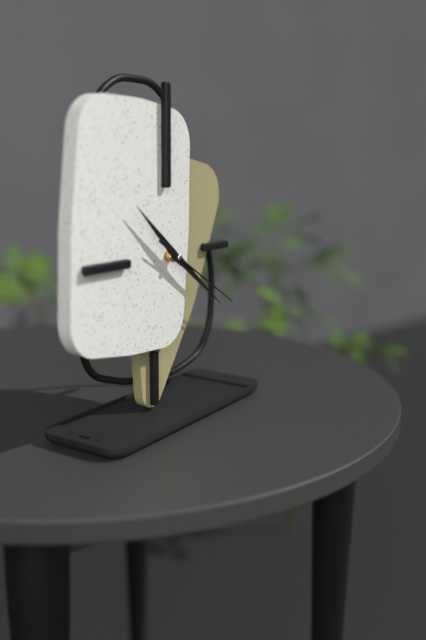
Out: h=10 m=21 s=20
